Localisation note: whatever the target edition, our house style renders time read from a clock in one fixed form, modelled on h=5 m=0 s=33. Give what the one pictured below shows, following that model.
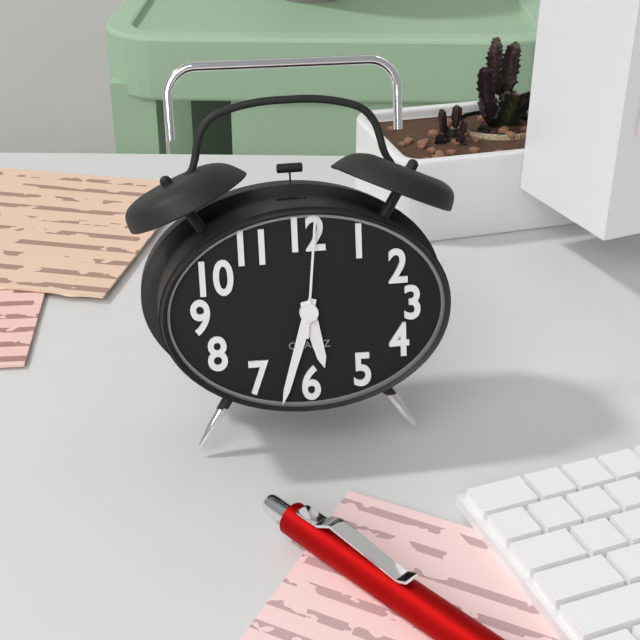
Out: h=5 m=33 s=1
